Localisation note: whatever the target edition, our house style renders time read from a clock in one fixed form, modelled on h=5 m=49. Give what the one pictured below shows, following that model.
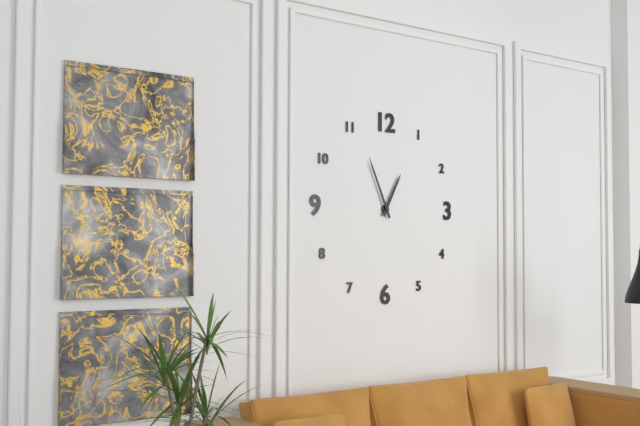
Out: h=12 m=56
